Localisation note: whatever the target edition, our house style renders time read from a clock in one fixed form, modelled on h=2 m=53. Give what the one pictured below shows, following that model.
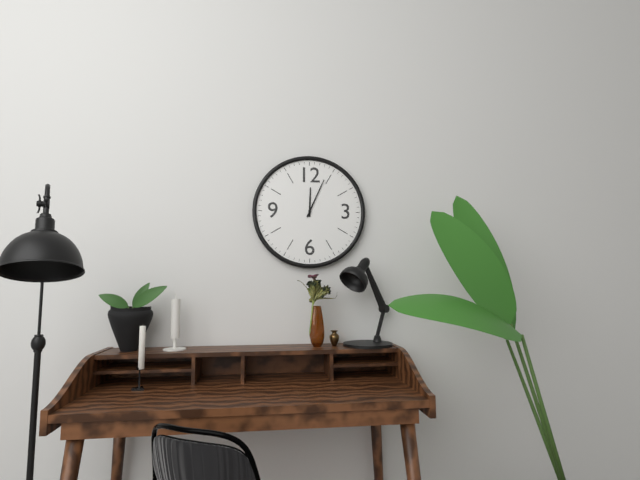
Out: h=12 m=4
